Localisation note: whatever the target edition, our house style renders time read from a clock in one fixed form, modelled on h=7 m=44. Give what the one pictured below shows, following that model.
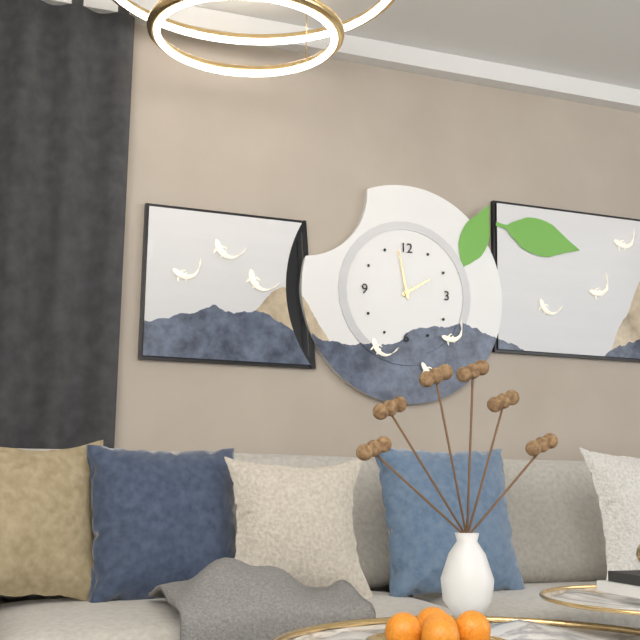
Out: h=1 m=58
